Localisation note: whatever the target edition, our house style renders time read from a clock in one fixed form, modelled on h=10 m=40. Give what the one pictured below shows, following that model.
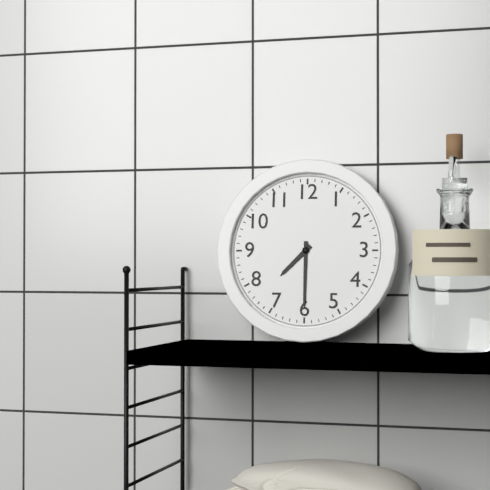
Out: h=7 m=30
